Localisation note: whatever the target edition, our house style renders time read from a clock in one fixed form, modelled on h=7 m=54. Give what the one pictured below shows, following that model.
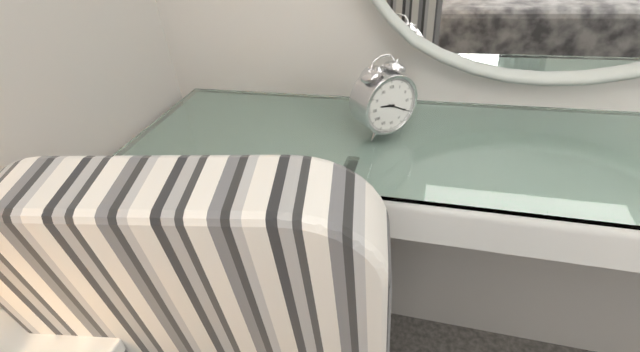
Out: h=9 m=20
